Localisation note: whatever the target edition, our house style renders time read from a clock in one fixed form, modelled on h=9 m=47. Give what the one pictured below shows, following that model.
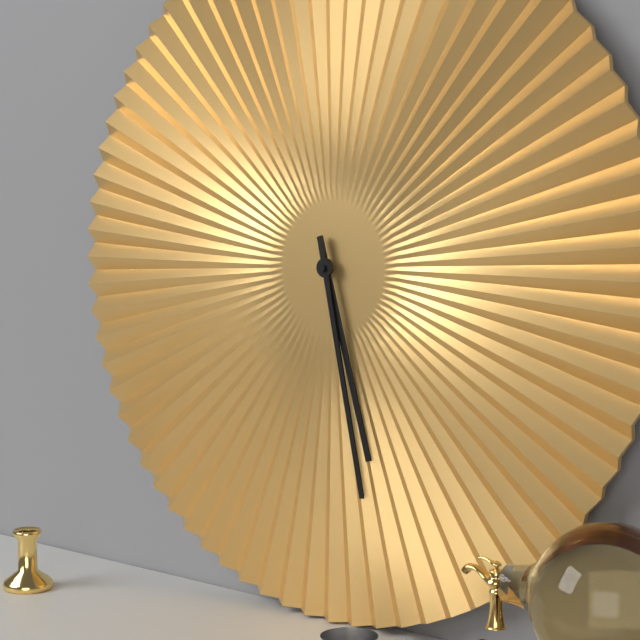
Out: h=5 m=28
